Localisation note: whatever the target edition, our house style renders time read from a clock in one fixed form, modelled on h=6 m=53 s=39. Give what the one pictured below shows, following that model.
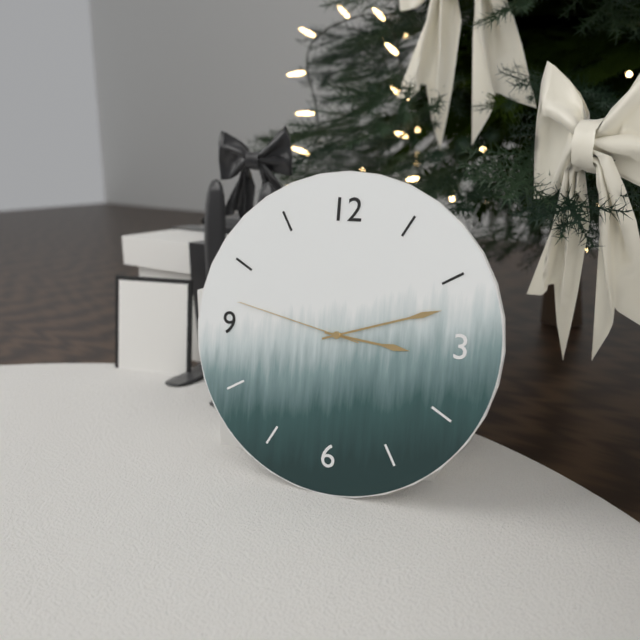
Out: h=3 m=12 s=47
